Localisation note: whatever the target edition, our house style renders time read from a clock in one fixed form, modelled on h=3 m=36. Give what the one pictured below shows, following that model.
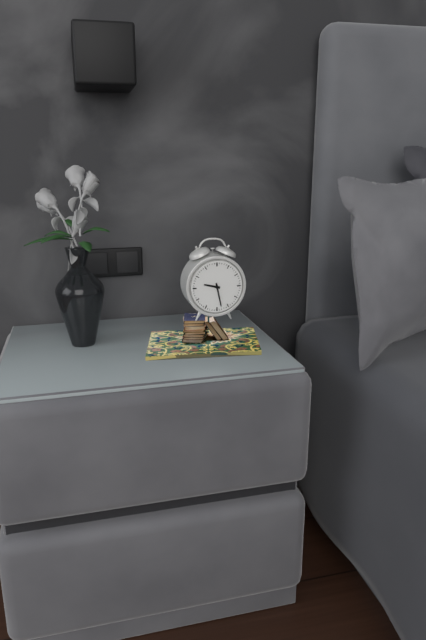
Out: h=9 m=28
